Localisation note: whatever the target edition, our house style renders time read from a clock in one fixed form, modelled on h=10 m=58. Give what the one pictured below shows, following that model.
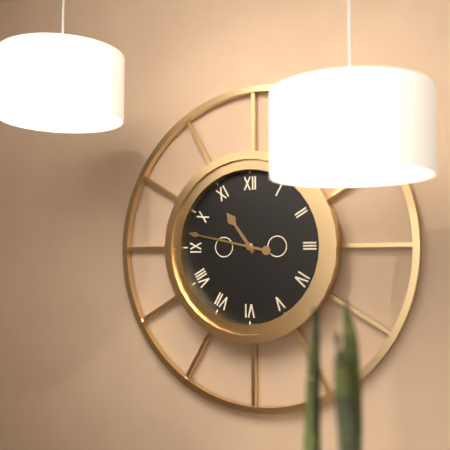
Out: h=10 m=47
